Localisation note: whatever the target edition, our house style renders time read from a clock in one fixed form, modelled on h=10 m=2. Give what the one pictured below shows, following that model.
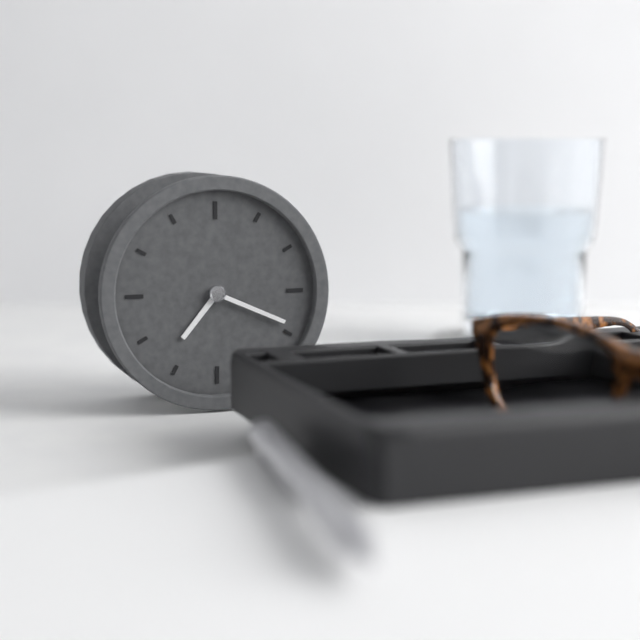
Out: h=7 m=19
